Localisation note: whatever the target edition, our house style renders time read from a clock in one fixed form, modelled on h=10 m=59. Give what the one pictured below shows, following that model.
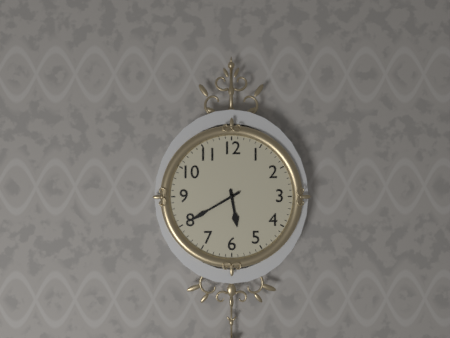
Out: h=5 m=40
